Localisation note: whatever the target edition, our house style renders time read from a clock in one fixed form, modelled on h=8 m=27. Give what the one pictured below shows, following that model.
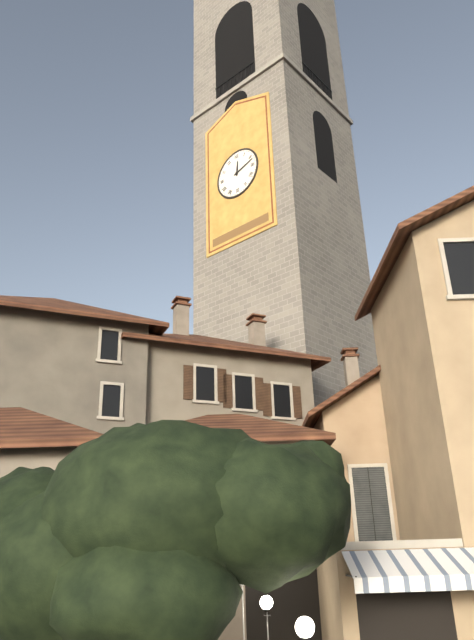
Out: h=12 m=12
